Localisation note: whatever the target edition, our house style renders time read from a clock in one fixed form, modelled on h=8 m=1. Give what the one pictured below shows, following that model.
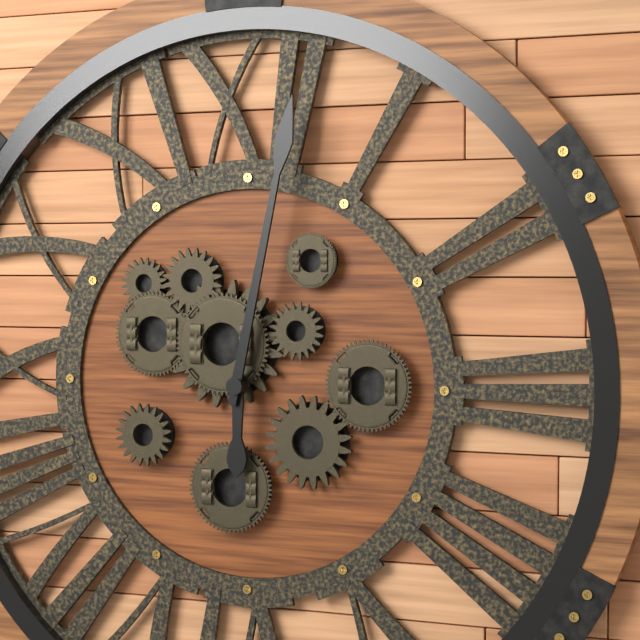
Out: h=6 m=2
